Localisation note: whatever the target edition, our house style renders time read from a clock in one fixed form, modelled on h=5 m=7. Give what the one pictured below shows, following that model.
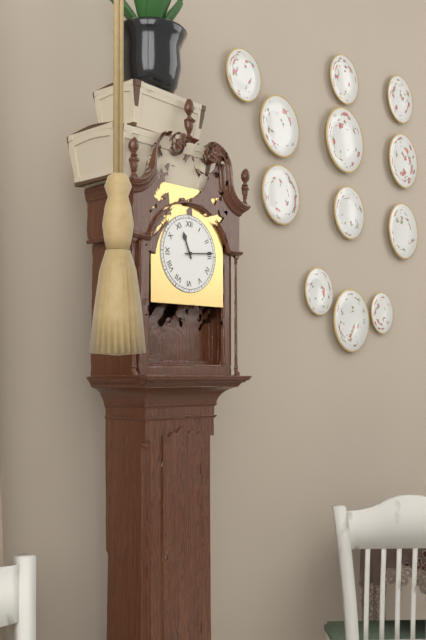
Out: h=11 m=14
